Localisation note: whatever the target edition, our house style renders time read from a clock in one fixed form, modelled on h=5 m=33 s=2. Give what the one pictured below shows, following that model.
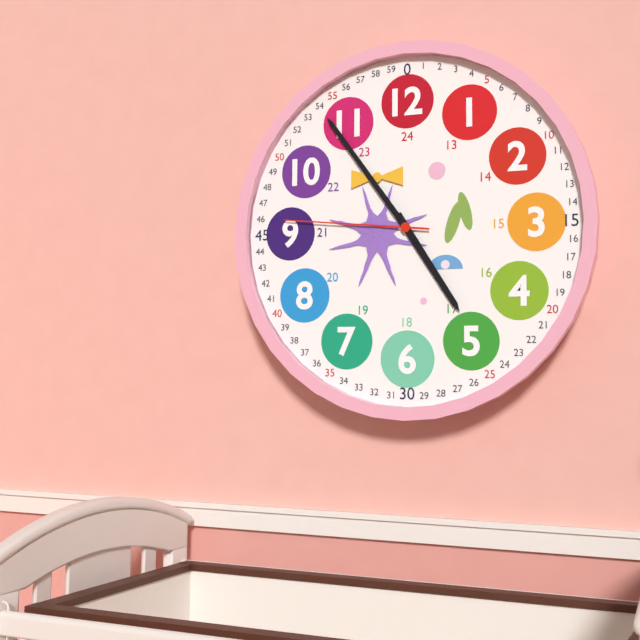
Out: h=4 m=54 s=46
